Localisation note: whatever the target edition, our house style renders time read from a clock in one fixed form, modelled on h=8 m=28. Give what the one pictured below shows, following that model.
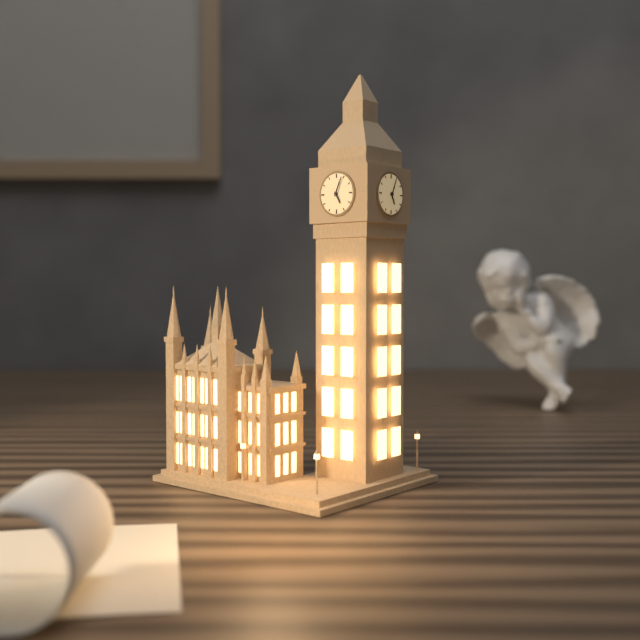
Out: h=5 m=4
